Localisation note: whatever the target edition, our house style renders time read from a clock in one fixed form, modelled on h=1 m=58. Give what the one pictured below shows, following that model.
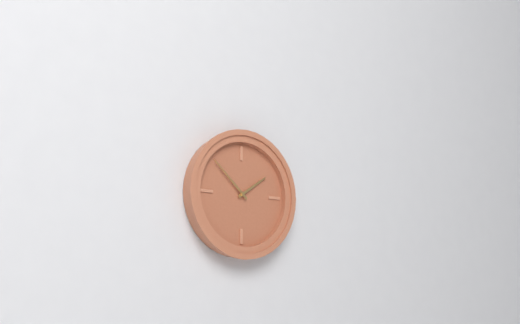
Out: h=1 m=52
